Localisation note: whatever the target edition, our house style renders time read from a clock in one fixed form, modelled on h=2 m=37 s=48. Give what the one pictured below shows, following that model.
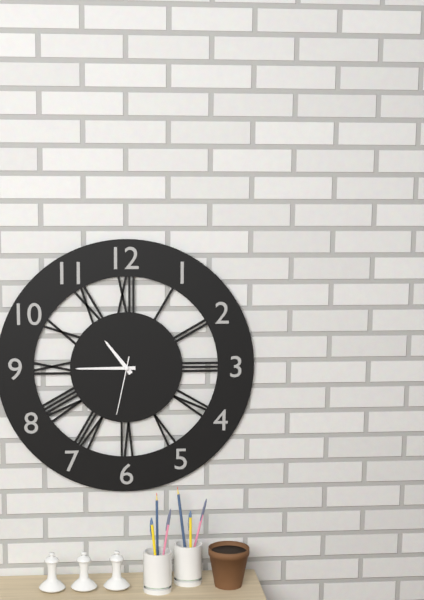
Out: h=10 m=45 s=32
